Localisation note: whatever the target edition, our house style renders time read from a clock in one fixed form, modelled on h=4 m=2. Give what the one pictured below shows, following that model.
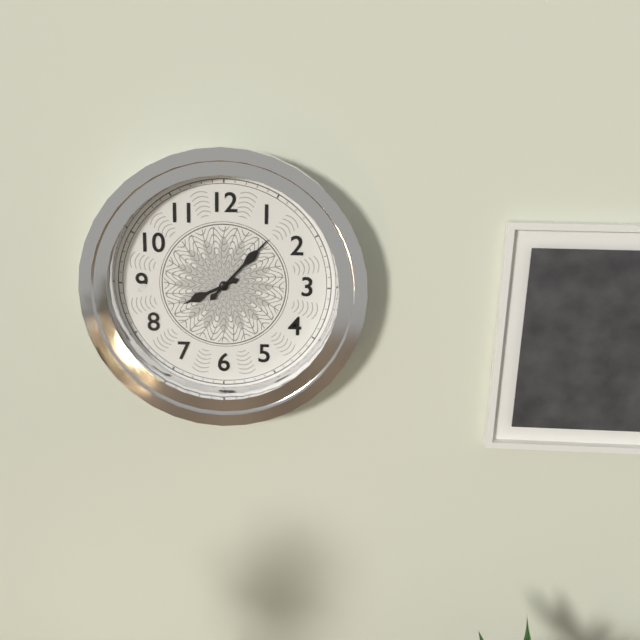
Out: h=8 m=7
